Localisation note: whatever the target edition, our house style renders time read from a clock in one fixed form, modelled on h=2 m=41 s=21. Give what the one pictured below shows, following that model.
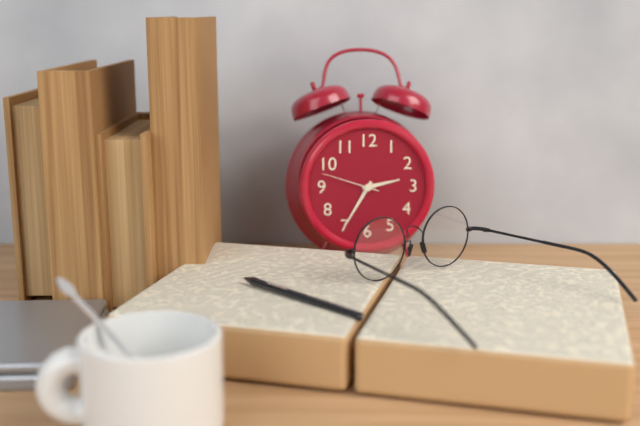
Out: h=2 m=35 s=48
